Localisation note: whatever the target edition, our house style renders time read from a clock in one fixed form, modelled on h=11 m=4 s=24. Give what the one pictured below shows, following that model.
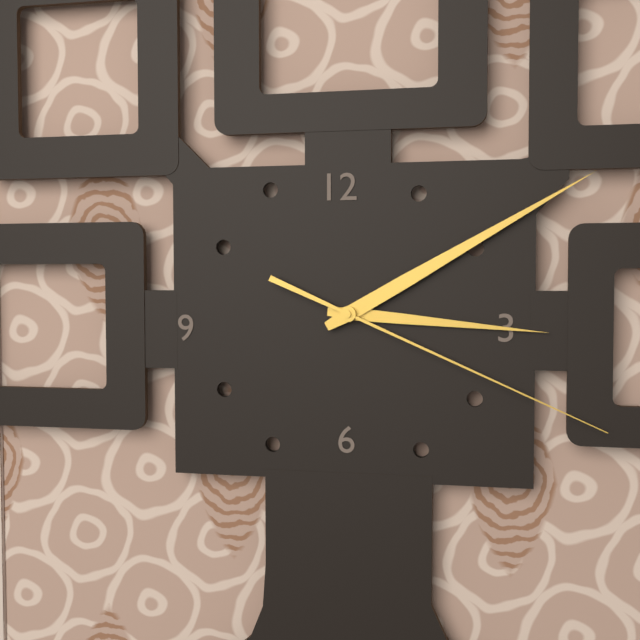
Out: h=3 m=10 s=19
